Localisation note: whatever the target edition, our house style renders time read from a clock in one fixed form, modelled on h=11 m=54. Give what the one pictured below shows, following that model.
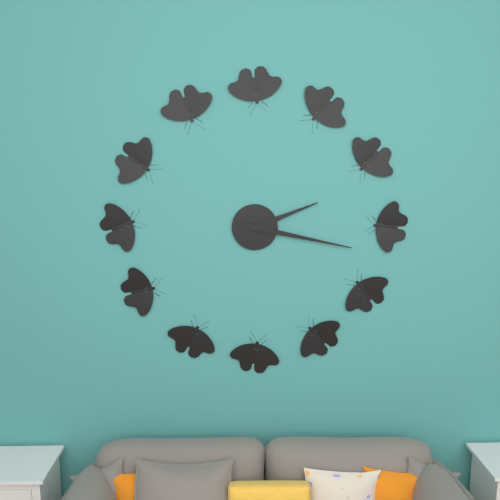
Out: h=2 m=17
